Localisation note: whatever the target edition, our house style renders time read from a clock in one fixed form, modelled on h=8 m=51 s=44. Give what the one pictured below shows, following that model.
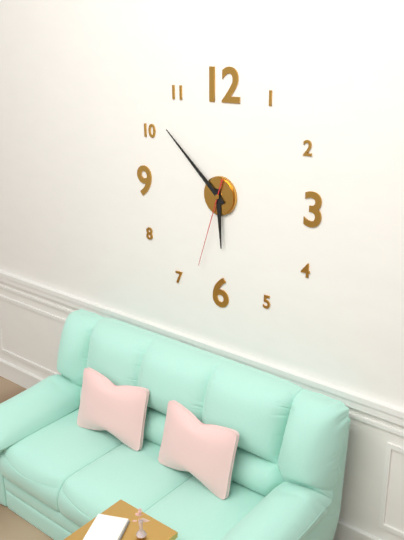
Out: h=5 m=52 s=33
